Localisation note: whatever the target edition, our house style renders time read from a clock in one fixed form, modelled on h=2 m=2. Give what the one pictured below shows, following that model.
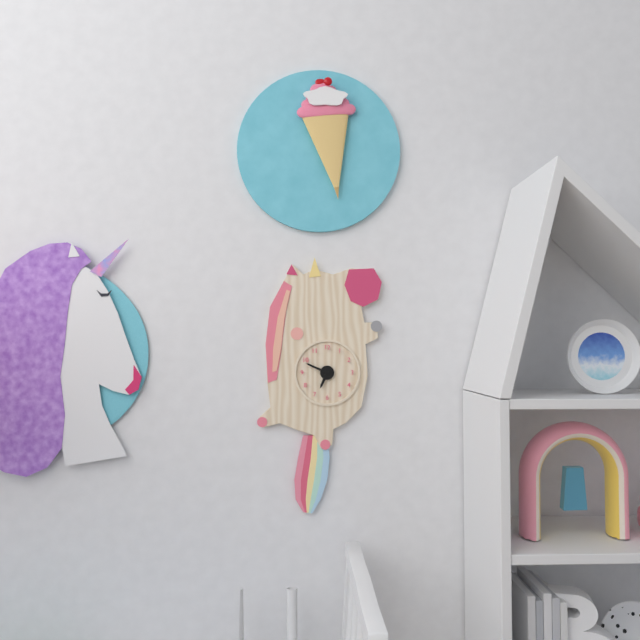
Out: h=6 m=49
